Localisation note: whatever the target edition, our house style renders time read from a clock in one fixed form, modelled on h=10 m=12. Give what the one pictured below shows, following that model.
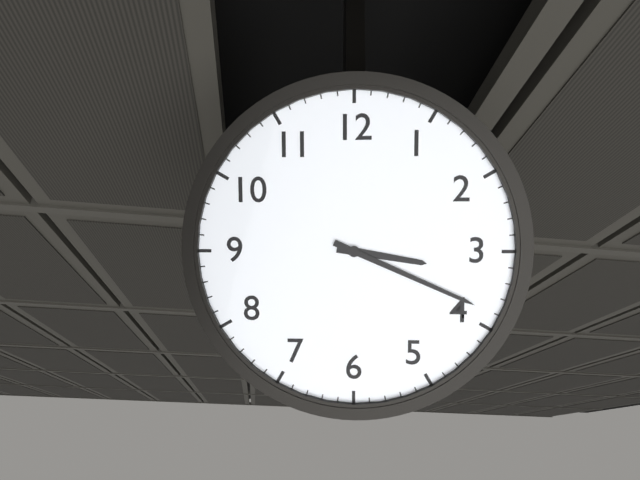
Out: h=3 m=19
